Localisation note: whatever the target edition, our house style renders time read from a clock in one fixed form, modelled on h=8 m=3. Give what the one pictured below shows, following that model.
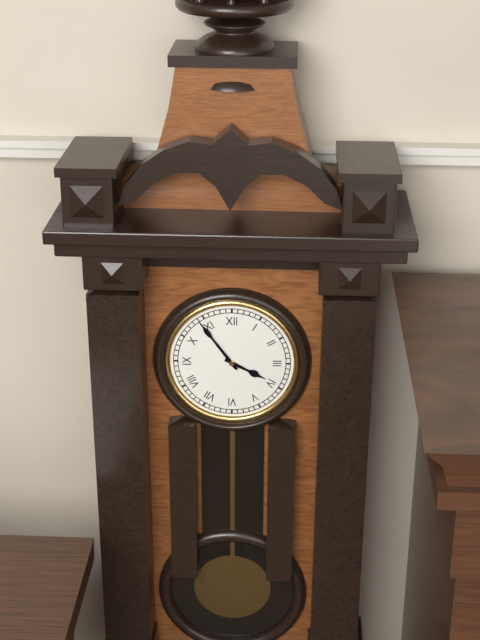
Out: h=3 m=54
